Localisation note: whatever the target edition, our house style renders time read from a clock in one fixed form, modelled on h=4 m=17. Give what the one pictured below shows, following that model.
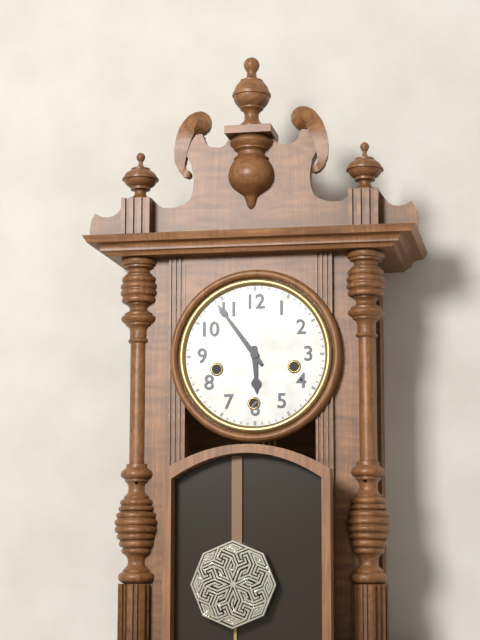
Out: h=5 m=54
